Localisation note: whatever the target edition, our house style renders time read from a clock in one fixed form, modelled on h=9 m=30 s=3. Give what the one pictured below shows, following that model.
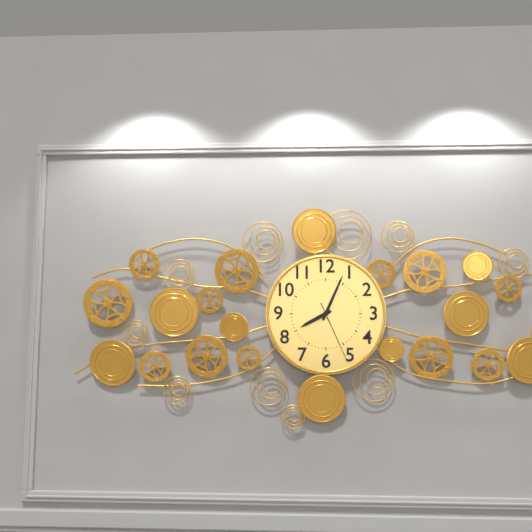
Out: h=8 m=4 s=26
